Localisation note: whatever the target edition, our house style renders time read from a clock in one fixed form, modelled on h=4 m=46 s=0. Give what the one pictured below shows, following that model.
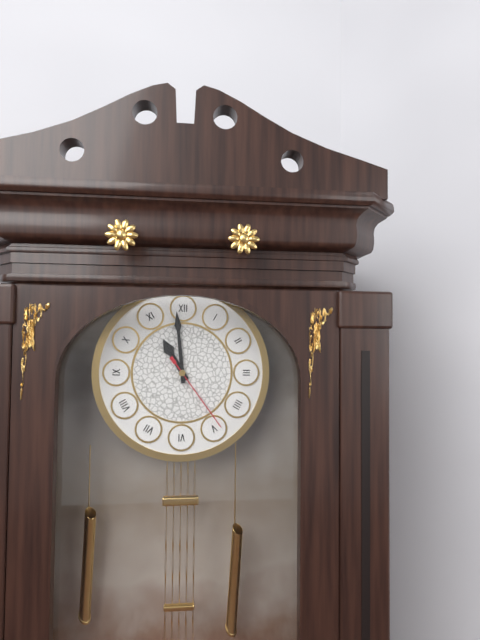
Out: h=10 m=59 s=24
